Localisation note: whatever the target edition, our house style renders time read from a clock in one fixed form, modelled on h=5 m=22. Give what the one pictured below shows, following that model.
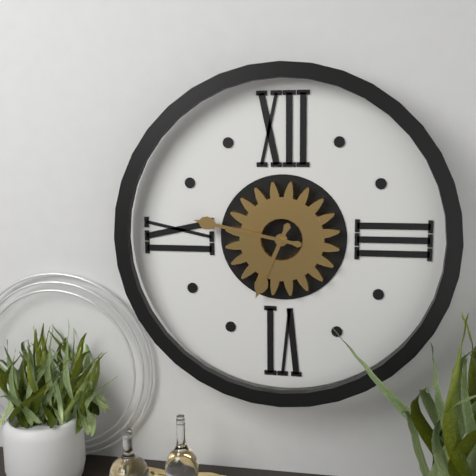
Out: h=6 m=47
